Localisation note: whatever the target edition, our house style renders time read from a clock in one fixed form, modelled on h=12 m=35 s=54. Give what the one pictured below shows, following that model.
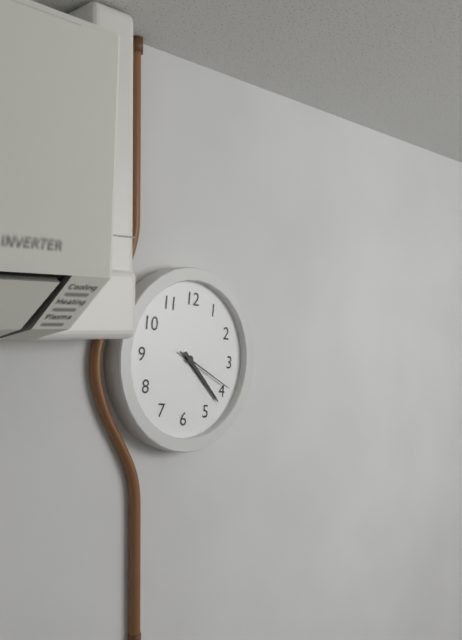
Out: h=4 m=22 s=19
